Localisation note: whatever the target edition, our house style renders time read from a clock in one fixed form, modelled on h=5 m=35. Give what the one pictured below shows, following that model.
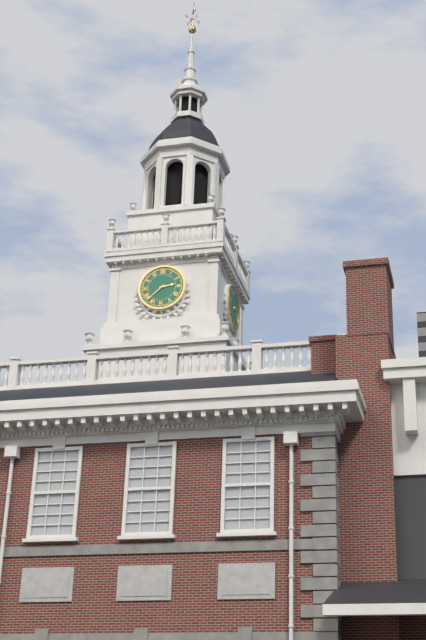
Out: h=2 m=38
